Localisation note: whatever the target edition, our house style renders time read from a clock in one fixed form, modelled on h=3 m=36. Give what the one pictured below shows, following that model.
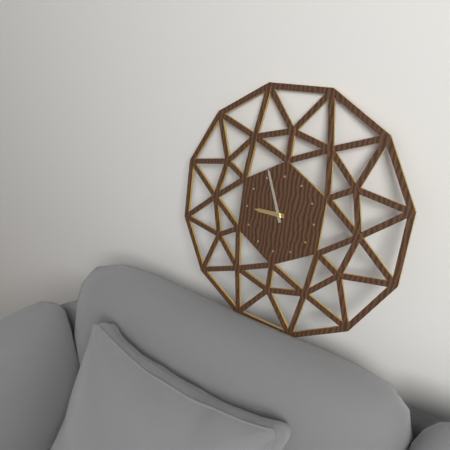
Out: h=8 m=56
